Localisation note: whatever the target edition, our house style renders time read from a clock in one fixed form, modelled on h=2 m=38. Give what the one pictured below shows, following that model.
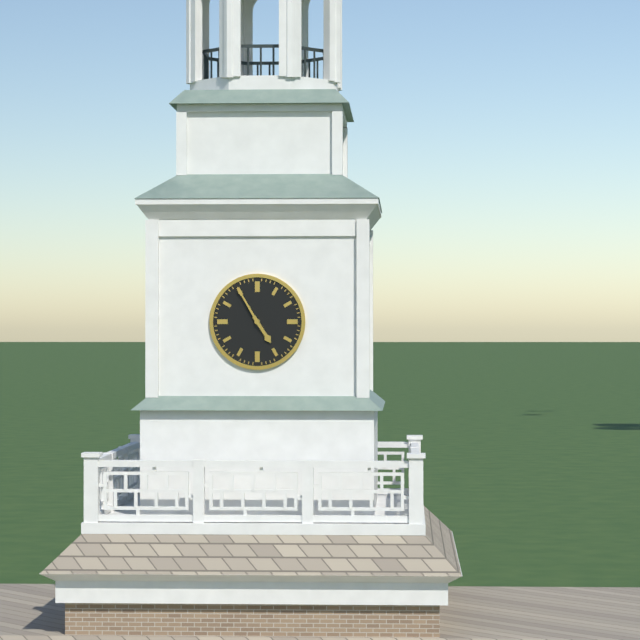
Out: h=4 m=55
